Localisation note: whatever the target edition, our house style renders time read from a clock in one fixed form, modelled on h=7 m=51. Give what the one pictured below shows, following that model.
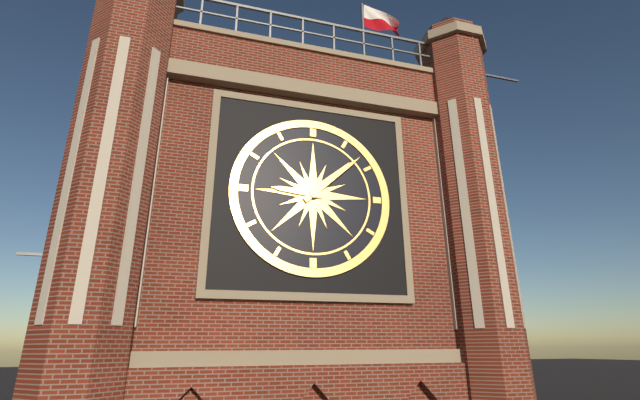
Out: h=9 m=8
